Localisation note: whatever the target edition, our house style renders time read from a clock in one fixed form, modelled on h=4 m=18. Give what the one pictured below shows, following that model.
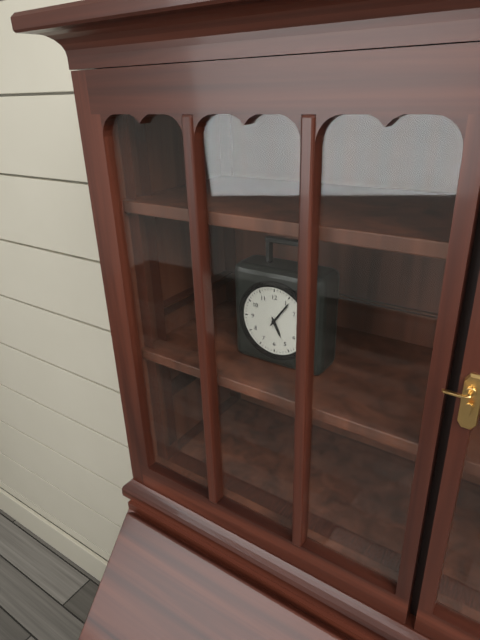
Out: h=5 m=6
